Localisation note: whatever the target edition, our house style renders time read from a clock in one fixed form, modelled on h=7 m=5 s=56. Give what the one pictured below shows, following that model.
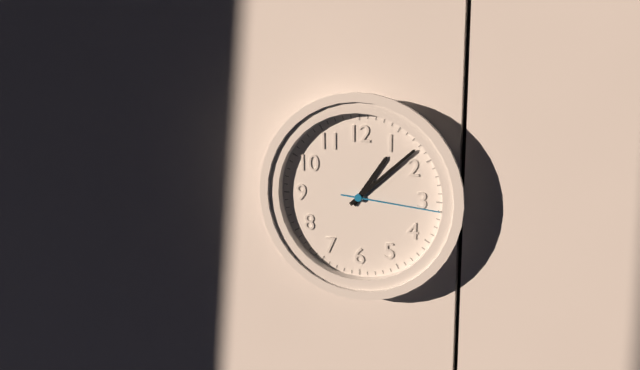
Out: h=1 m=8 s=16
